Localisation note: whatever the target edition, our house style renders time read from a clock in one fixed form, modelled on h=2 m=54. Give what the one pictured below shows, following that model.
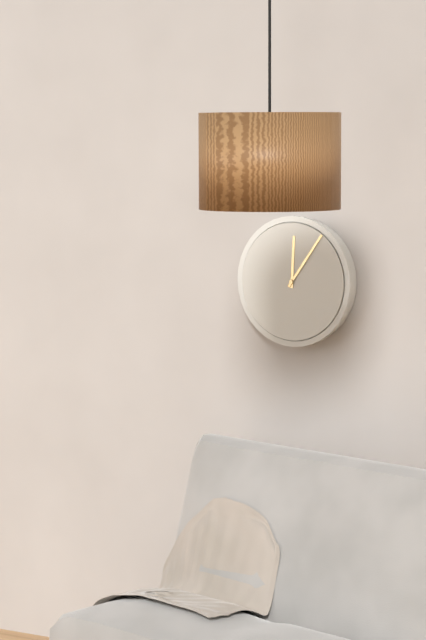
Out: h=12 m=6
